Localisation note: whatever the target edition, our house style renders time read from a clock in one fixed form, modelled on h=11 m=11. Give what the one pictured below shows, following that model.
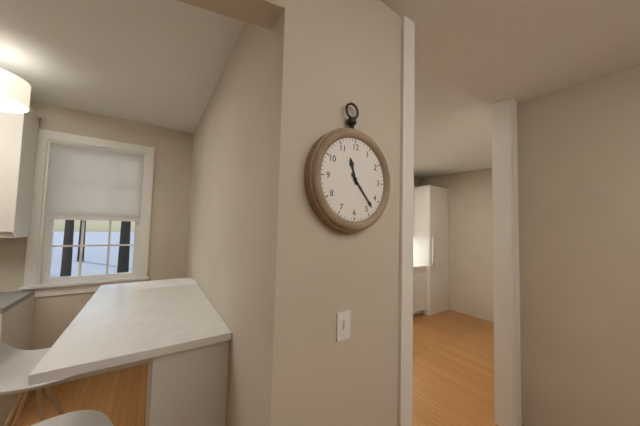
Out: h=11 m=23
